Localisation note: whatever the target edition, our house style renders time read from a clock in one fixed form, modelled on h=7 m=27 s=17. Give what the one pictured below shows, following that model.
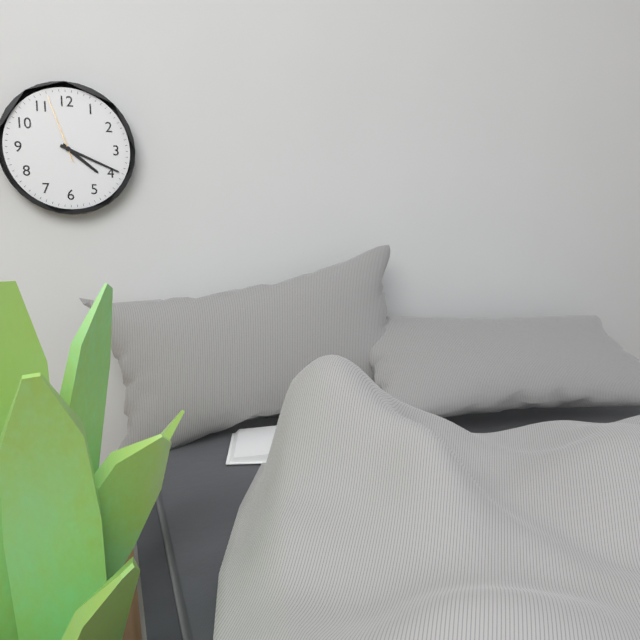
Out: h=4 m=19 s=57
